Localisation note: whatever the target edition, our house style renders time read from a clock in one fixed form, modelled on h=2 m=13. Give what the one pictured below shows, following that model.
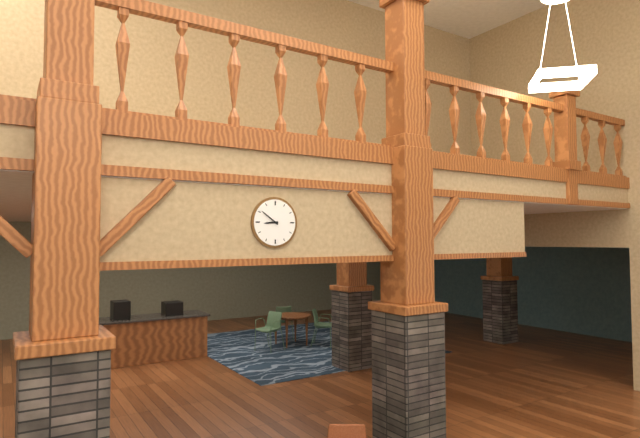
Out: h=8 m=51
